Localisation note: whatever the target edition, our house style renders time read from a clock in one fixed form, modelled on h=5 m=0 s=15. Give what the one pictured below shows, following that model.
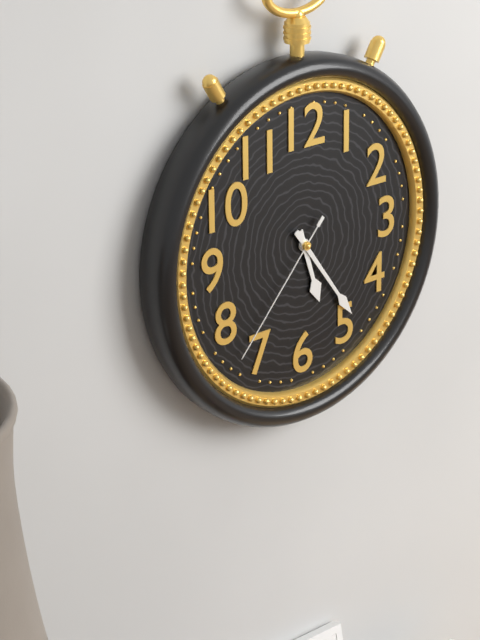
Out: h=5 m=24 s=37
